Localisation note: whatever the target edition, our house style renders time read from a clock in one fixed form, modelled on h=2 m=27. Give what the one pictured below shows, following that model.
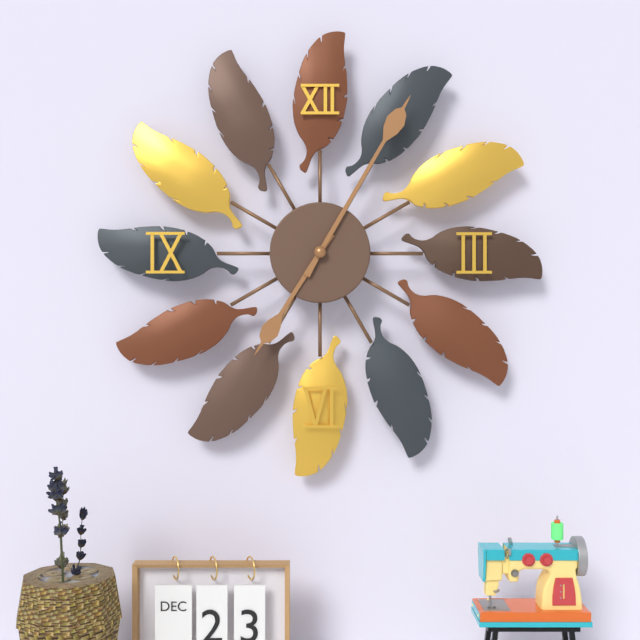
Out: h=7 m=5
